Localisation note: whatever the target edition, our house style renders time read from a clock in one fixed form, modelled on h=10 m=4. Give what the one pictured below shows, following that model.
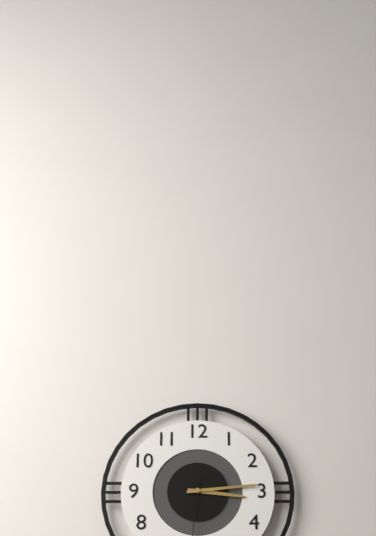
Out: h=3 m=14
